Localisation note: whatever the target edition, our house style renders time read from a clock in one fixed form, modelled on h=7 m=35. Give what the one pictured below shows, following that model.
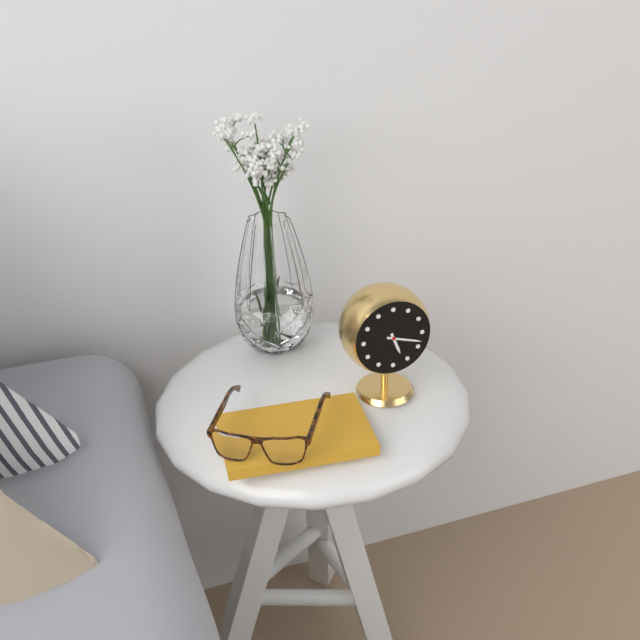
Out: h=5 m=18
